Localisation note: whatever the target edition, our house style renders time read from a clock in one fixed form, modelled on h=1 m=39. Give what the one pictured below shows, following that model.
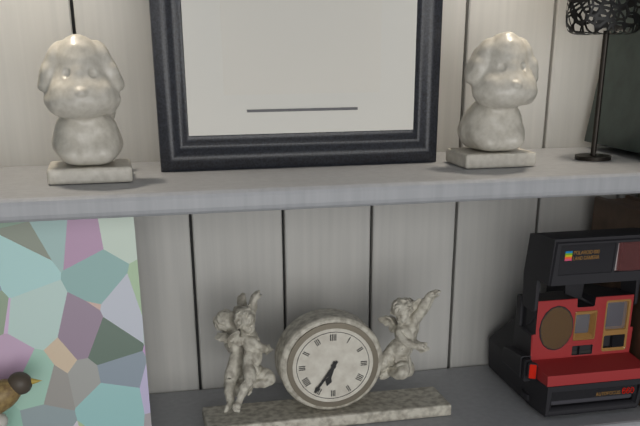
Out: h=6 m=36
